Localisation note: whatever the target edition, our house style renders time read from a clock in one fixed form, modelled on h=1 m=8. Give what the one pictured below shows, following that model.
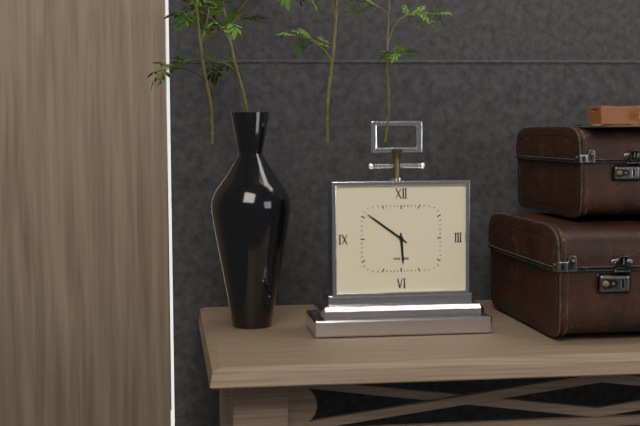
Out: h=5 m=51
